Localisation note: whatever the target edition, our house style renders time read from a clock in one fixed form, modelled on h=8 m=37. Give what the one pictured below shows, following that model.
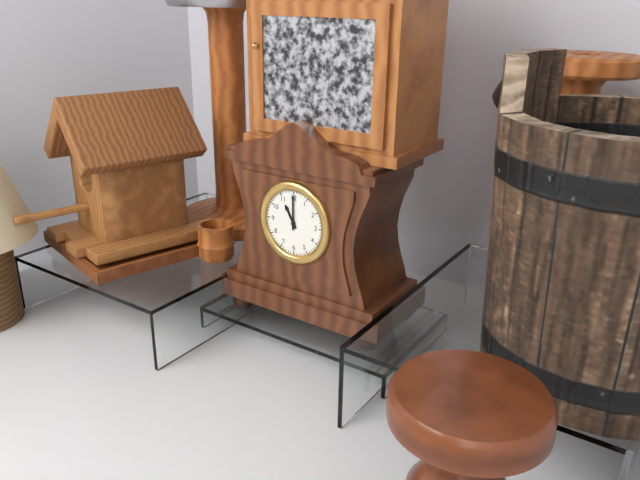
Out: h=11 m=0
